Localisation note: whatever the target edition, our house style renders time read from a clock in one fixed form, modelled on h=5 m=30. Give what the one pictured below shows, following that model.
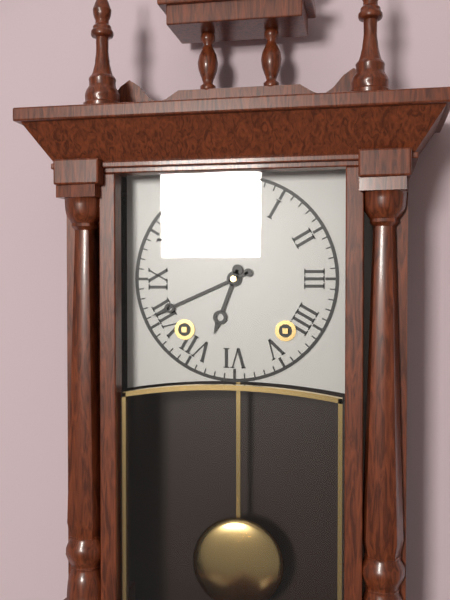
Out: h=6 m=41
